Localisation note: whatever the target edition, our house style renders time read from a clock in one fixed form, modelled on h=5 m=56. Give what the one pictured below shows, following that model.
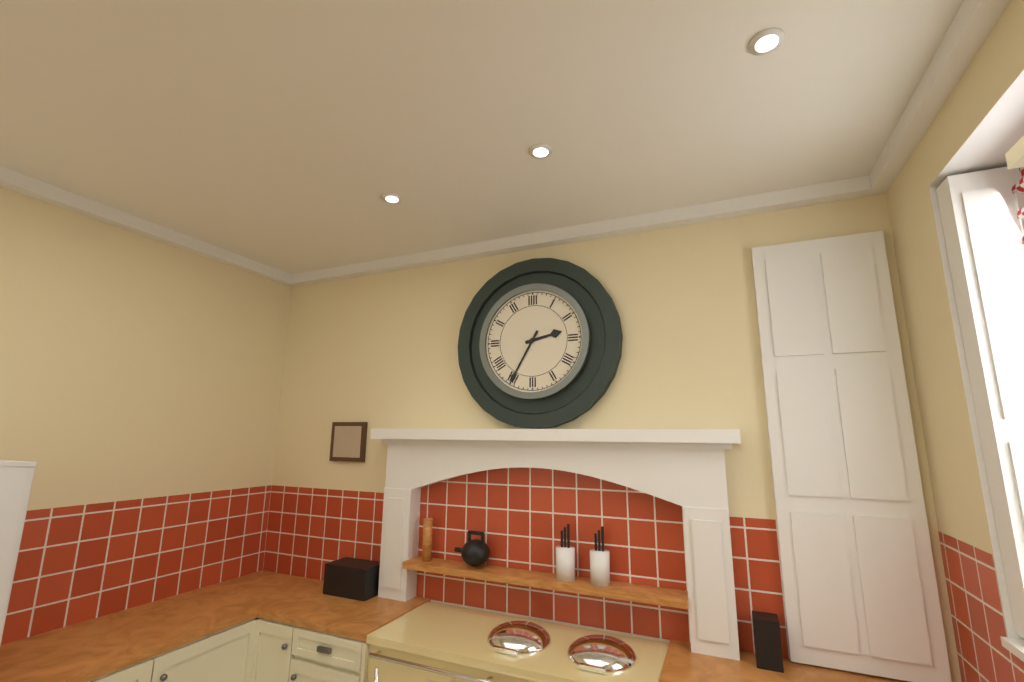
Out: h=2 m=35
